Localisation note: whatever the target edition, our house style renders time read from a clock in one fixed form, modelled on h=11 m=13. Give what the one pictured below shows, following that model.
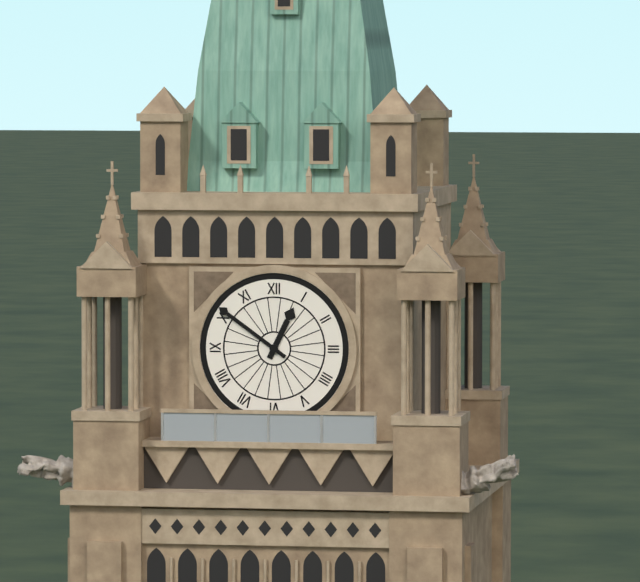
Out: h=12 m=51
